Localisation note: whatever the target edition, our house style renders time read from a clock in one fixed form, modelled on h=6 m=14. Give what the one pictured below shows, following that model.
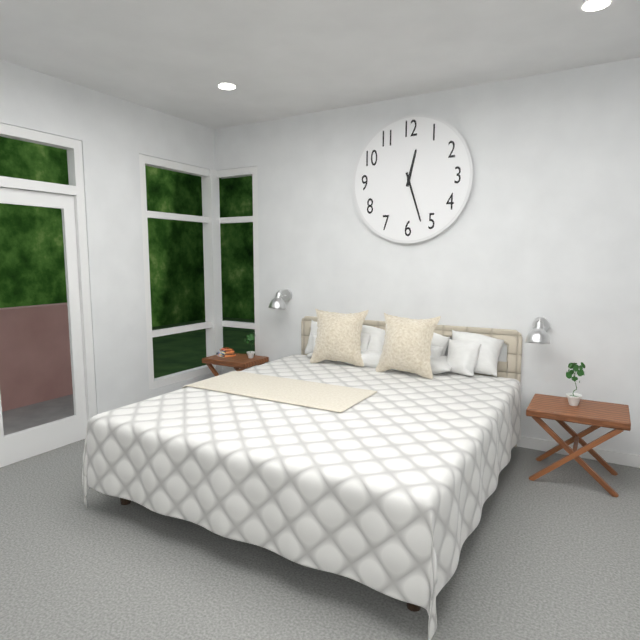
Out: h=12 m=27
